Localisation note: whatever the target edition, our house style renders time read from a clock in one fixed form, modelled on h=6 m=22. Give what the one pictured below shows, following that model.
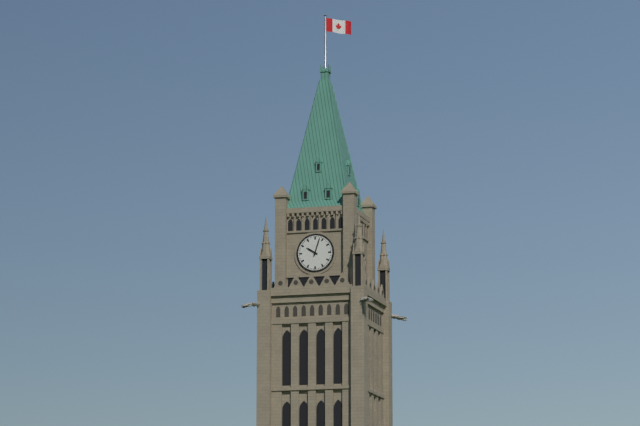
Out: h=10 m=3
